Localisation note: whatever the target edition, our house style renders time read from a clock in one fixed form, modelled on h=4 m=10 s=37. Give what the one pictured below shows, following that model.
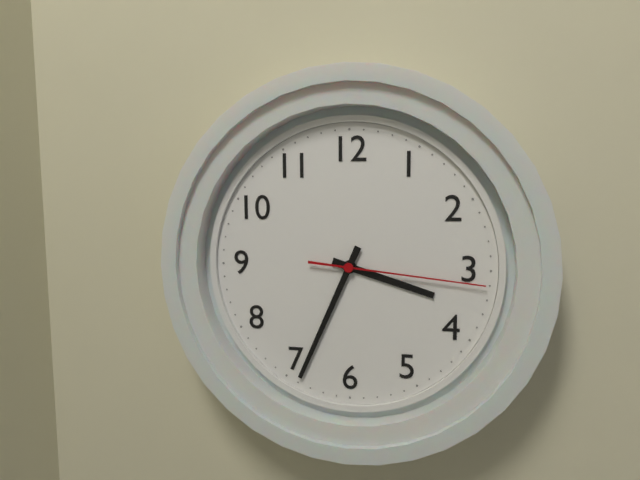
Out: h=3 m=34 s=16
